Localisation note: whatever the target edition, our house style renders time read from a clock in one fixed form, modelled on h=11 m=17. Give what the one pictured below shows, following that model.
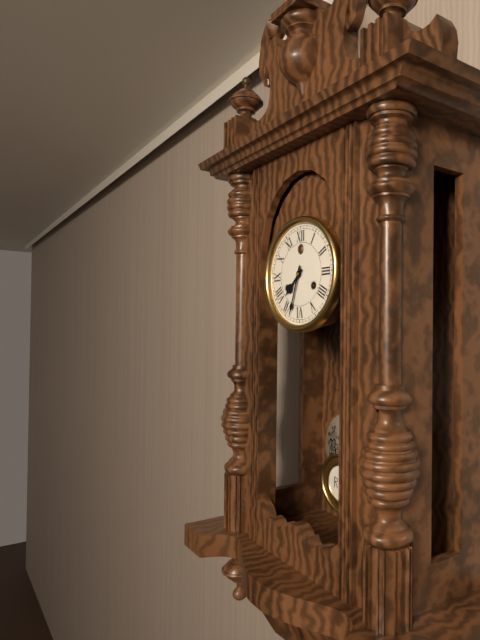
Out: h=7 m=33
